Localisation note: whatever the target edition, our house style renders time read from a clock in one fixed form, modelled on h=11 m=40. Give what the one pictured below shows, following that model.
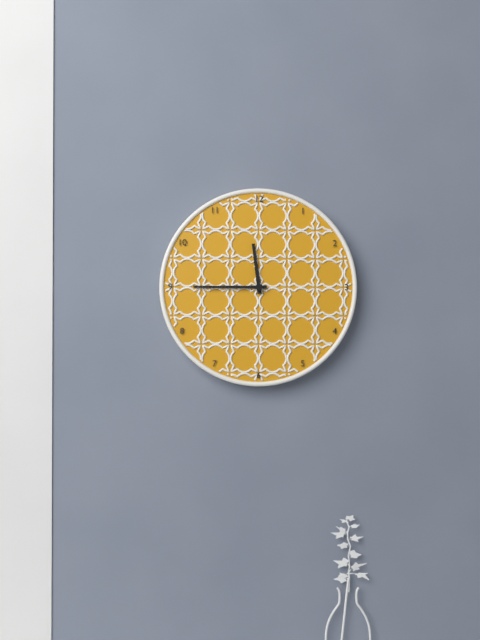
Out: h=11 m=45
